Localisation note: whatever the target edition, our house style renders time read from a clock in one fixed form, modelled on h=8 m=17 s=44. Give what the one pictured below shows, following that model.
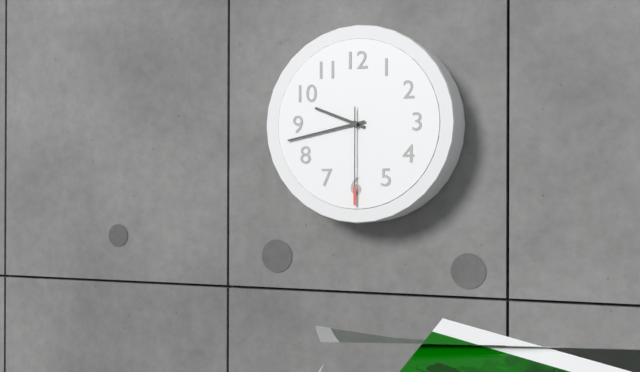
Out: h=9 m=43 s=30
